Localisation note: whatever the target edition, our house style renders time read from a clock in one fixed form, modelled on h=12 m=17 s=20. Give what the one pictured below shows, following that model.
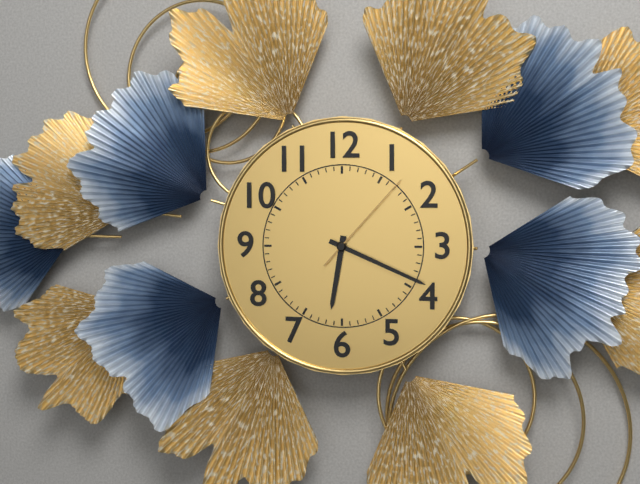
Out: h=6 m=19 s=7
